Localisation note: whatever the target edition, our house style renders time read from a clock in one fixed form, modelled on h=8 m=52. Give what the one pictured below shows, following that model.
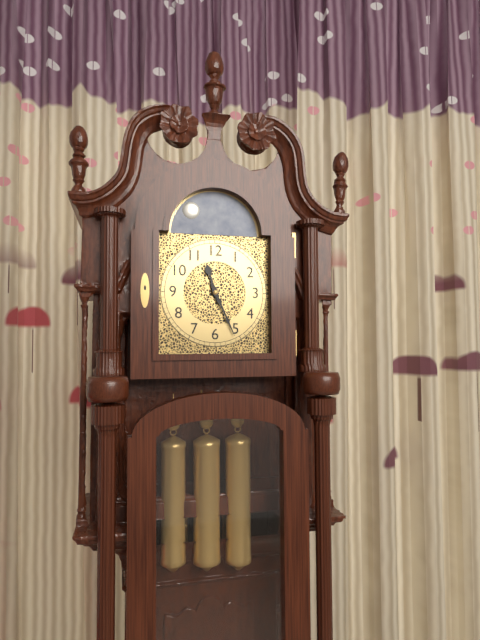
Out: h=11 m=26
